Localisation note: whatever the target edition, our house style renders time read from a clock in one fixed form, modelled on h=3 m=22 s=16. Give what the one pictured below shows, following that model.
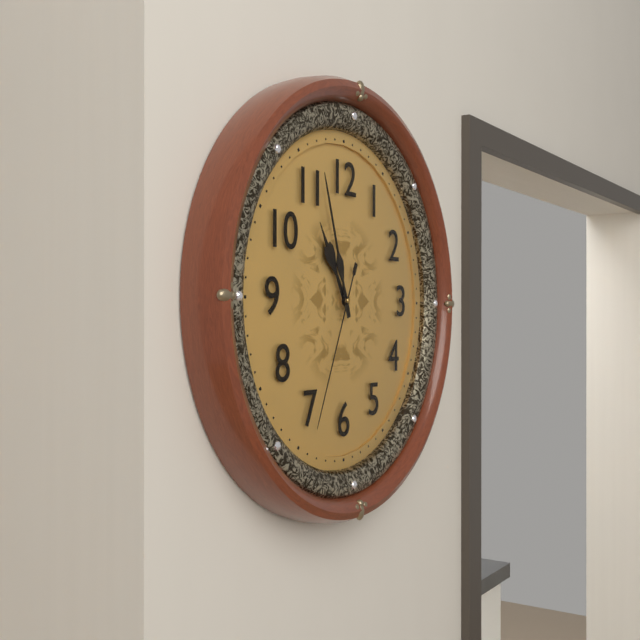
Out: h=10 m=57 s=34
